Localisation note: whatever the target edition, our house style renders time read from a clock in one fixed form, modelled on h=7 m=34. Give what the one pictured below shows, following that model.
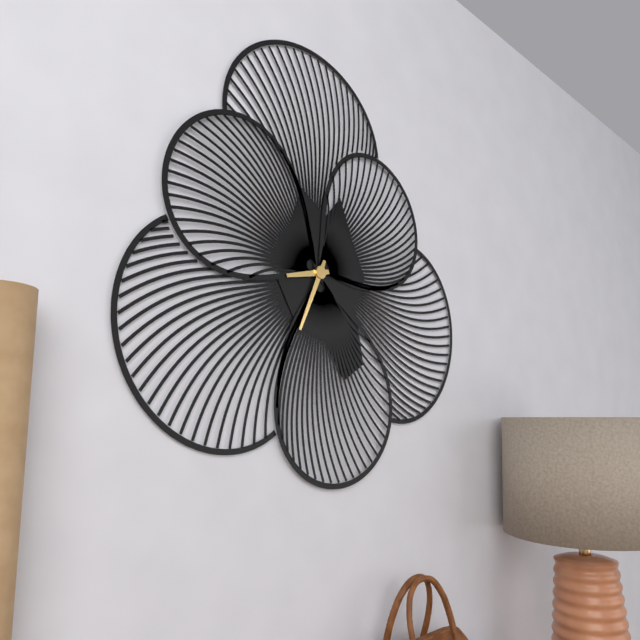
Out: h=8 m=34
